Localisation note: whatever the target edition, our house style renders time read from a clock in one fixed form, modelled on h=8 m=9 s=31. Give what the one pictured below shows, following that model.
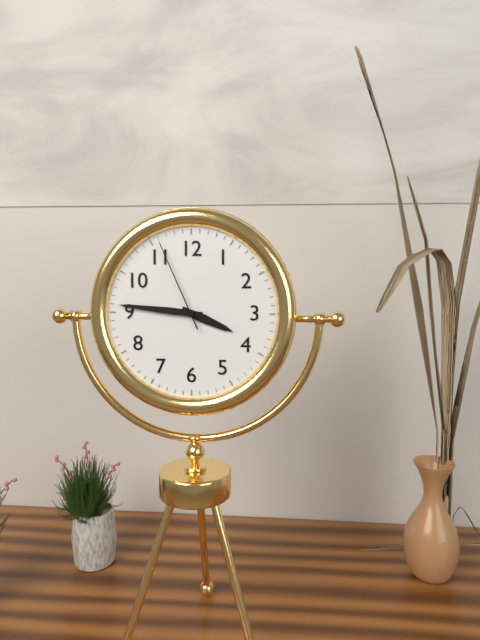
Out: h=3 m=46 s=56
